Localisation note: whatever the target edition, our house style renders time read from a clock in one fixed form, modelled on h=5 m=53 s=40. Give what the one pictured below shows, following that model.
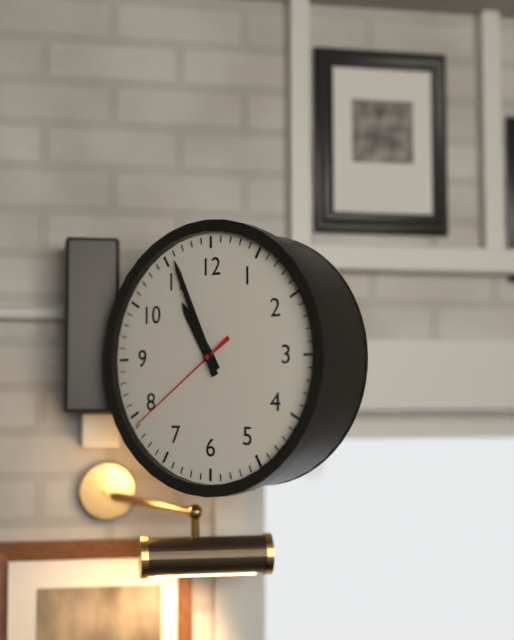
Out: h=10 m=56 s=39
